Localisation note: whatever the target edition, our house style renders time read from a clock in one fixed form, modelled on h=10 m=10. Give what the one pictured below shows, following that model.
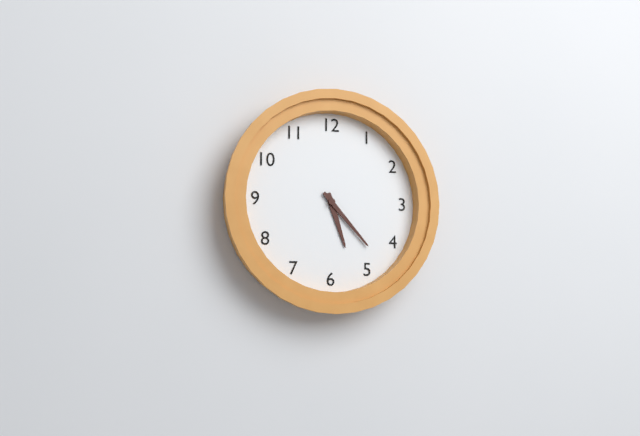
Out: h=5 m=23
